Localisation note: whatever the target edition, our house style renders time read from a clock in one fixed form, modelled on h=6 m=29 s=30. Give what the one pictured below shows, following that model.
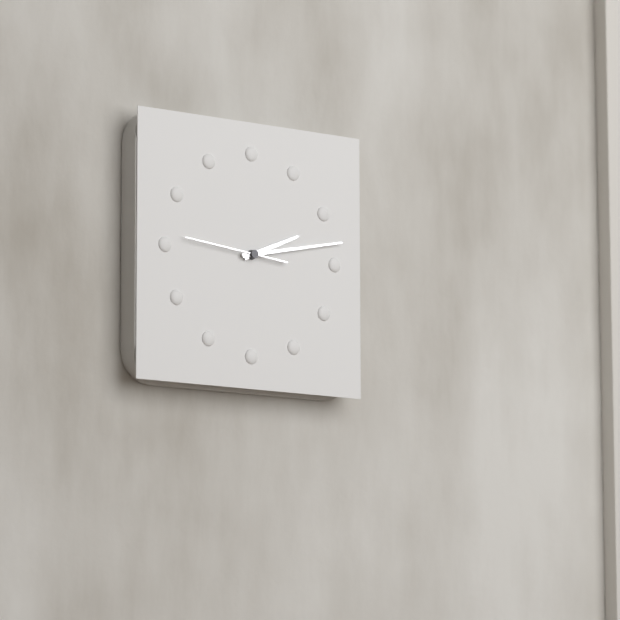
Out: h=2 m=13 s=46
